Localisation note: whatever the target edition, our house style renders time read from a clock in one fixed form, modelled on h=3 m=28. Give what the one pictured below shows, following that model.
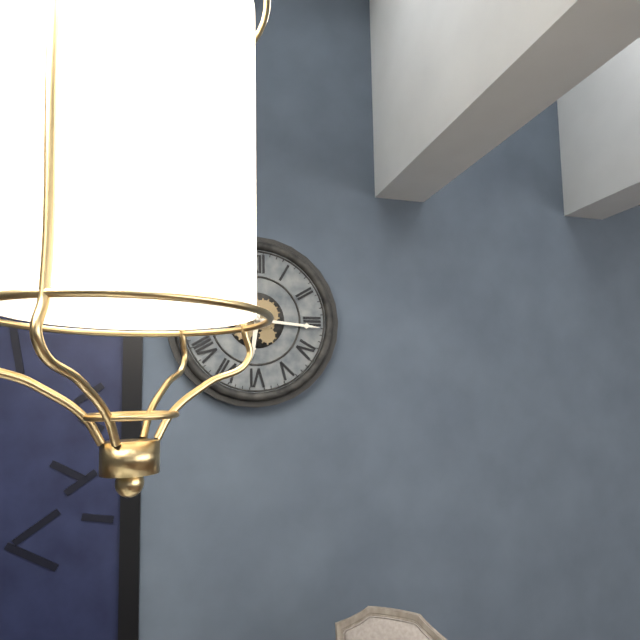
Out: h=6 m=16
